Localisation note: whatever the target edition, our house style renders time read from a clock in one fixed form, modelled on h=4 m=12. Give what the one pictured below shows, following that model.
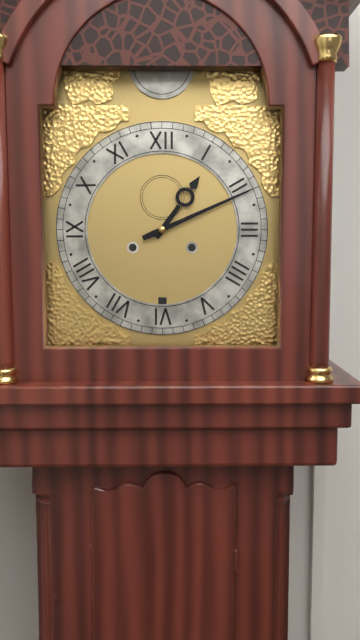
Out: h=1 m=11
